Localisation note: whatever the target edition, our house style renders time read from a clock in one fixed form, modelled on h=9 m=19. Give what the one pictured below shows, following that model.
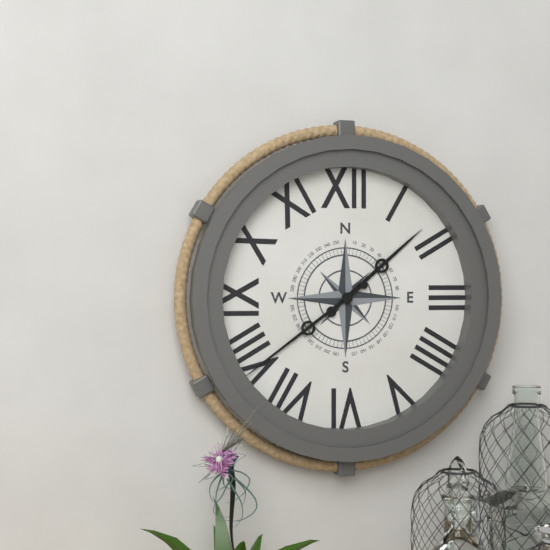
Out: h=1 m=39
